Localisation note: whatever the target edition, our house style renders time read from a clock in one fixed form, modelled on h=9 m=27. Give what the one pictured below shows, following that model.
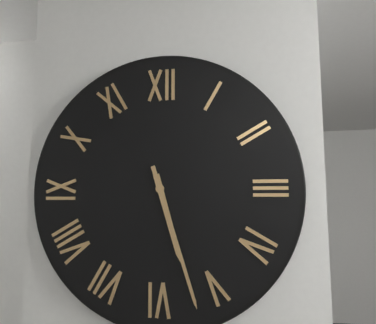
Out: h=5 m=27
